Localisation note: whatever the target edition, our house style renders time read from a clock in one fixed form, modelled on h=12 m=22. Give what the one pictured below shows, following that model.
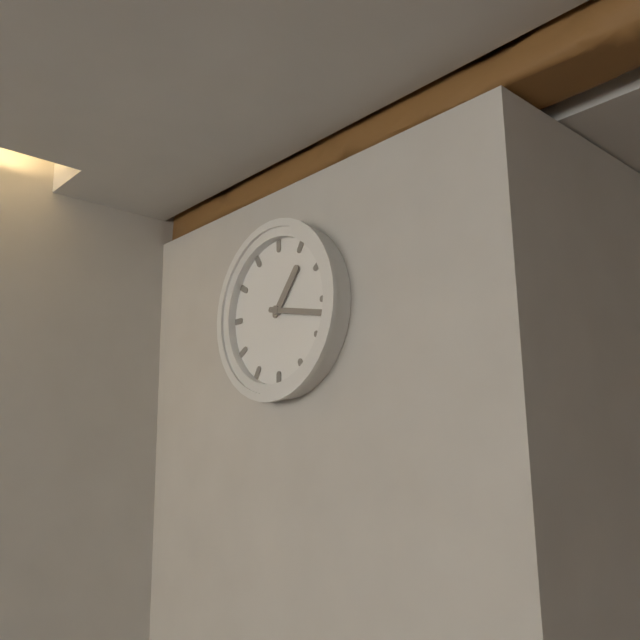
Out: h=1 m=17
